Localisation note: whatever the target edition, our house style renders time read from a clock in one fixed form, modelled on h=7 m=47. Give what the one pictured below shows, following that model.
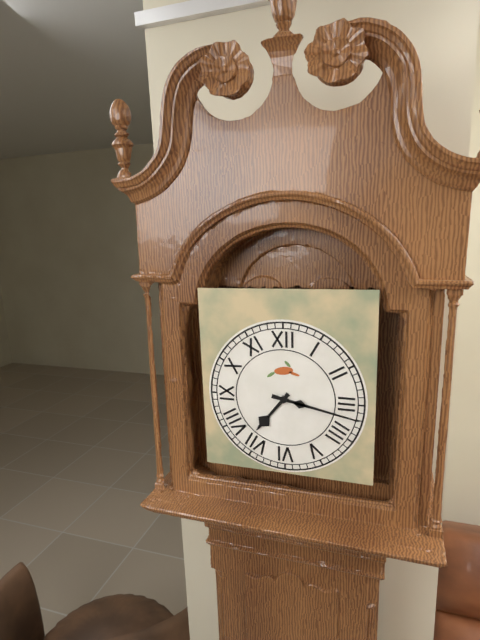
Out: h=7 m=17
